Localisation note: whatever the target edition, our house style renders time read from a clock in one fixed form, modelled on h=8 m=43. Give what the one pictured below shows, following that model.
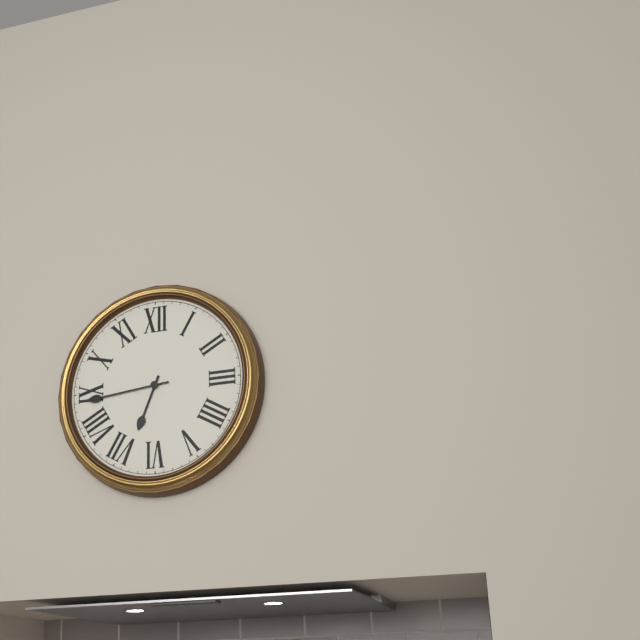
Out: h=6 m=44
